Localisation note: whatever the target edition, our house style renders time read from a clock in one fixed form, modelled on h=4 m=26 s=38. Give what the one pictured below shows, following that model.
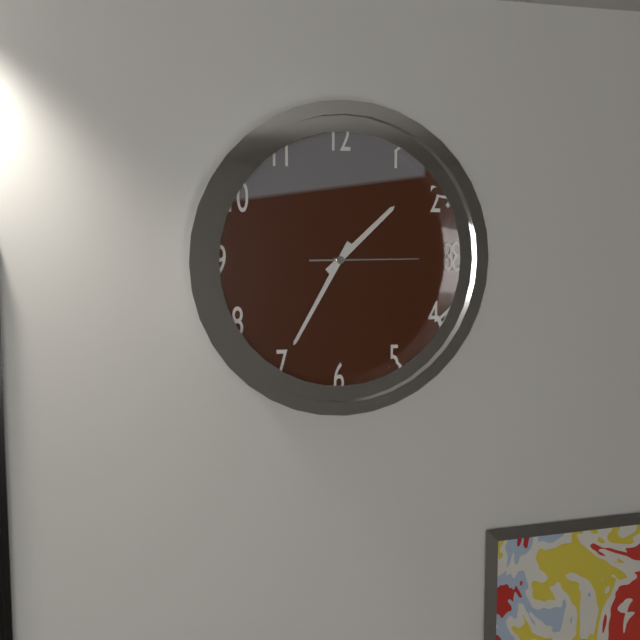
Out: h=1 m=35 s=15
